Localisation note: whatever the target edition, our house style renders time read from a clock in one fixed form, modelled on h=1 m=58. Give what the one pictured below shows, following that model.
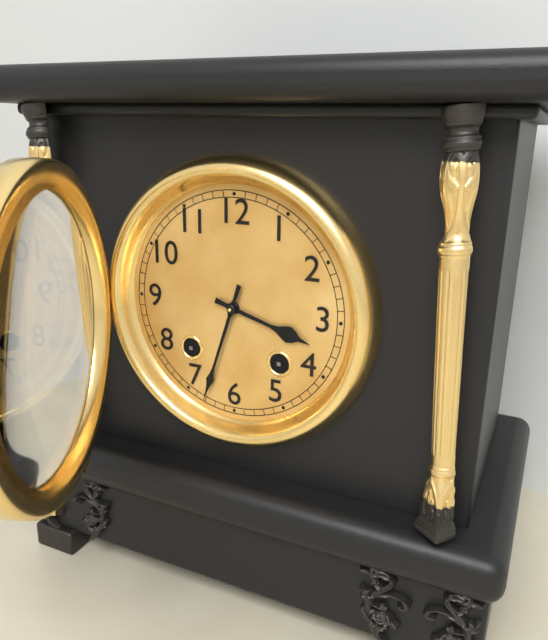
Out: h=3 m=33
